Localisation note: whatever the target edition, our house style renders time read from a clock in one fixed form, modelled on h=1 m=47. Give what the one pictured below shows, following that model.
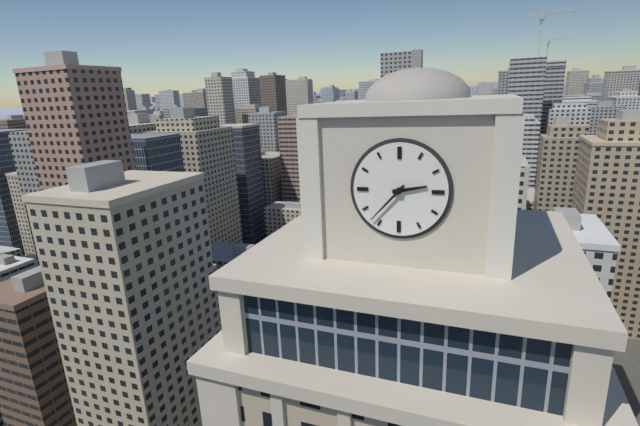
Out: h=2 m=37
